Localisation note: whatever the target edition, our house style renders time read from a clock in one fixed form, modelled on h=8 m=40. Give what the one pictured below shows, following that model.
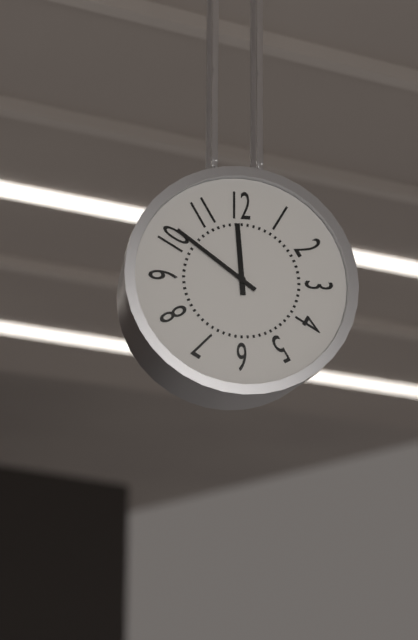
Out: h=11 m=51
